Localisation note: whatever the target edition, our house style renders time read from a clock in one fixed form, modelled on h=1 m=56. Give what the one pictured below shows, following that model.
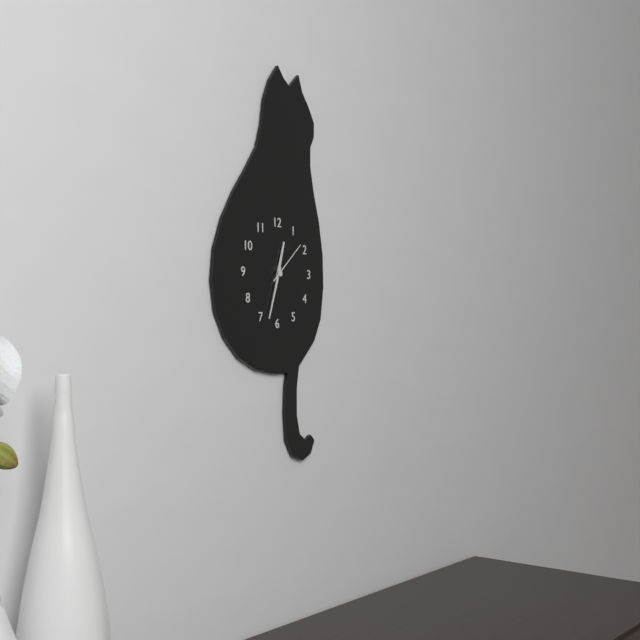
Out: h=12 m=33
